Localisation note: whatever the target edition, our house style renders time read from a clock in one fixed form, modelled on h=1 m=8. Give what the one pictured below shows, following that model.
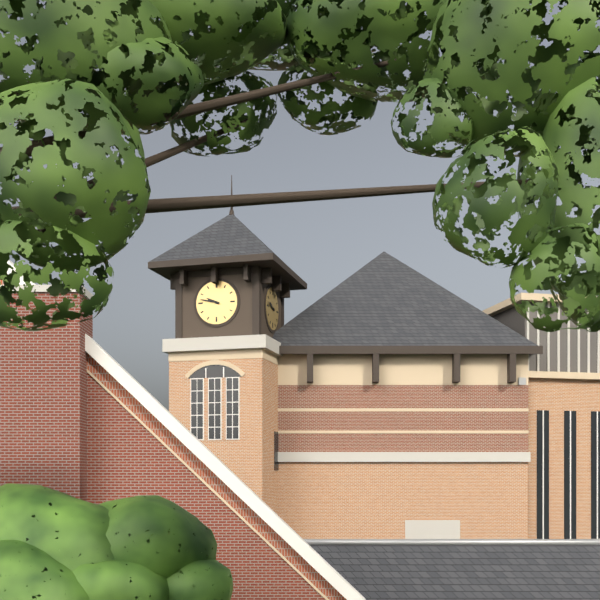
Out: h=9 m=47
